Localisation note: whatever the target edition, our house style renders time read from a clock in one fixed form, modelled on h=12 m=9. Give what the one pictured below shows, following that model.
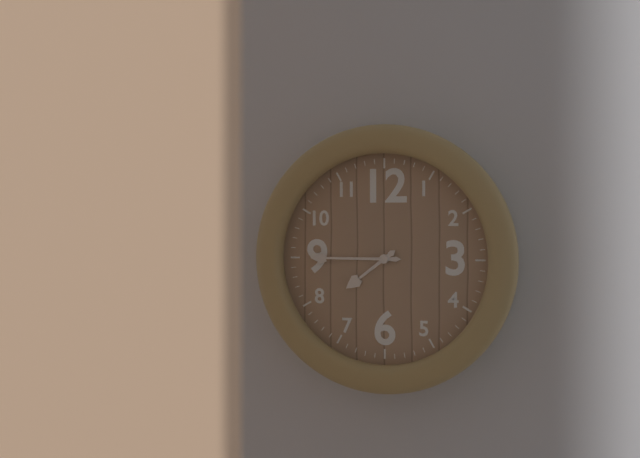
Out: h=7 m=45
